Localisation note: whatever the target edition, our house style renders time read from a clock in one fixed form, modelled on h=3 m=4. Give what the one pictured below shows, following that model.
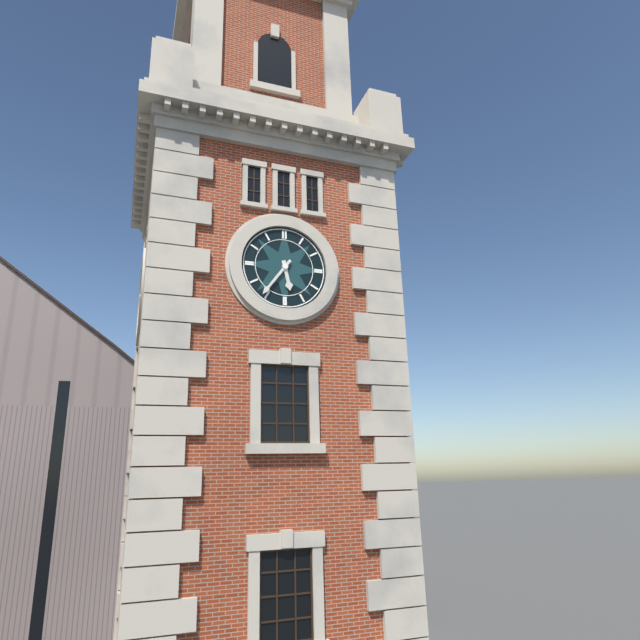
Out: h=5 m=36
